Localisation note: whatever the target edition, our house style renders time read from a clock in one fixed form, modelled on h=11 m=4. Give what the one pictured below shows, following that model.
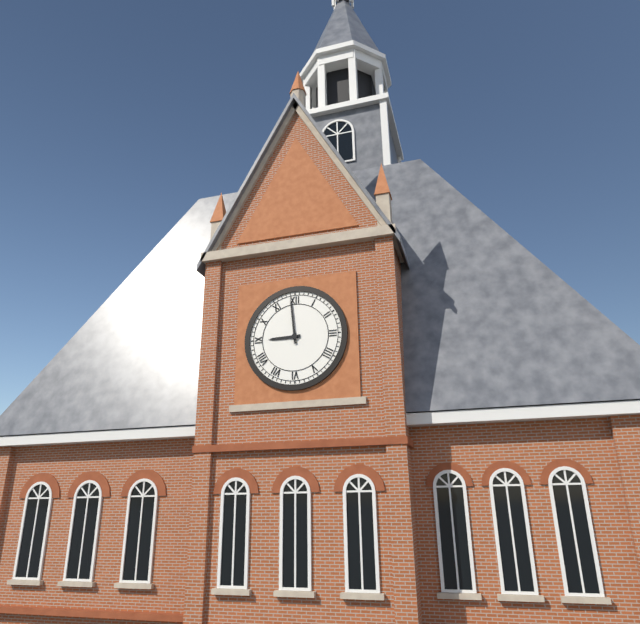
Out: h=8 m=59
